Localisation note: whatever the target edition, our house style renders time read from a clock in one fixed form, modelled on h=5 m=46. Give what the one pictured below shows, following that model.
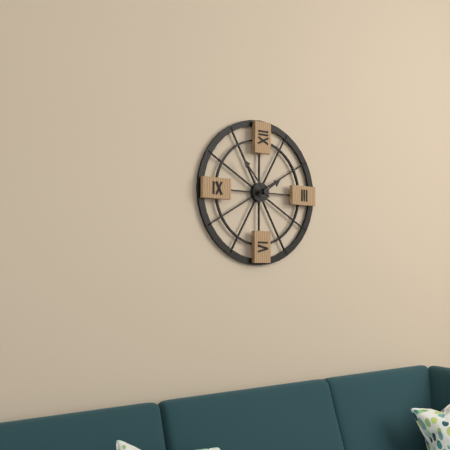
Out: h=1 m=53
